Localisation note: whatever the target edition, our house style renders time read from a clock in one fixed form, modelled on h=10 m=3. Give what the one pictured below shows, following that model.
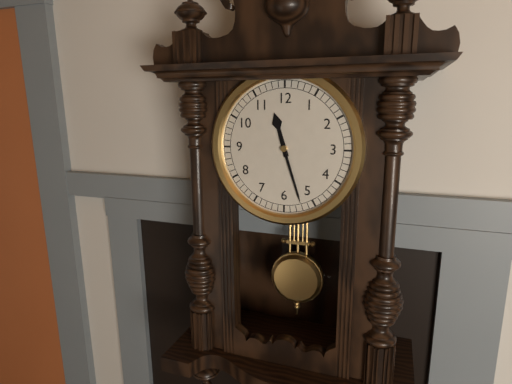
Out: h=11 m=27
